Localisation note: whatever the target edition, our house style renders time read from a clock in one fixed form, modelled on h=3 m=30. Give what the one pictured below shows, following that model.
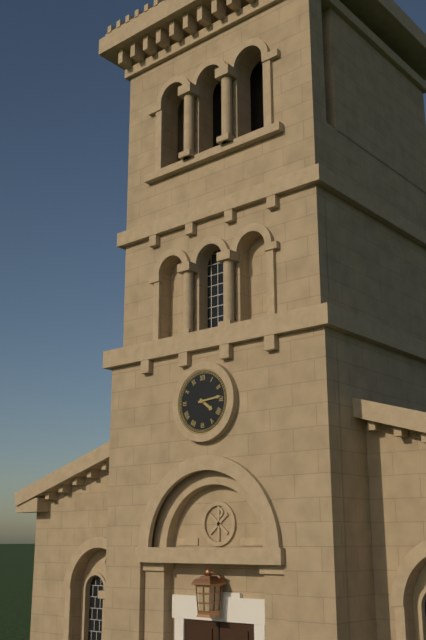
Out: h=4 m=14
